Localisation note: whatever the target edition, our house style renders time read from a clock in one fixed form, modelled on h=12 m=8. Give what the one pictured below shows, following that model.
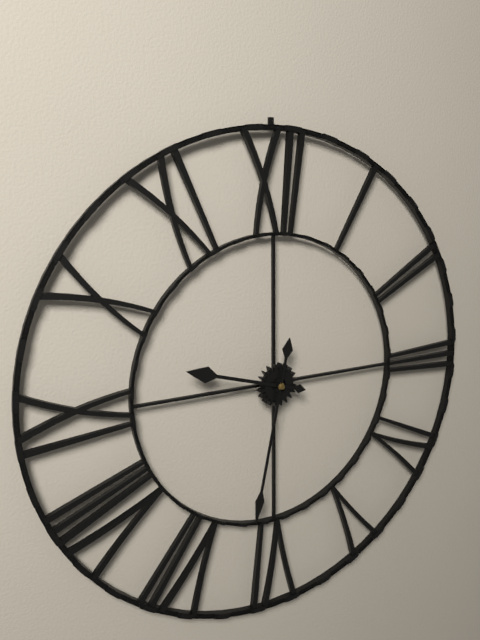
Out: h=9 m=32
